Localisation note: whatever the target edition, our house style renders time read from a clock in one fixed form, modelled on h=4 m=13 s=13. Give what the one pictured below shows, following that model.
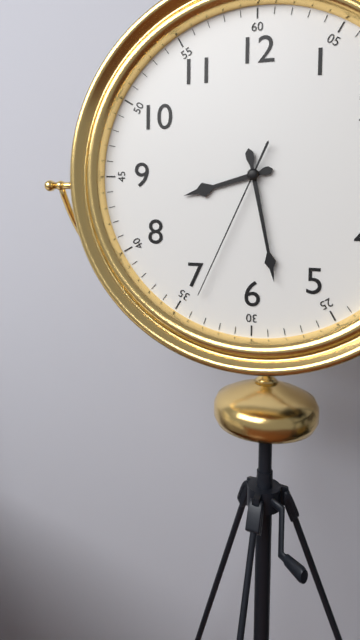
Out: h=8 m=28 s=34
